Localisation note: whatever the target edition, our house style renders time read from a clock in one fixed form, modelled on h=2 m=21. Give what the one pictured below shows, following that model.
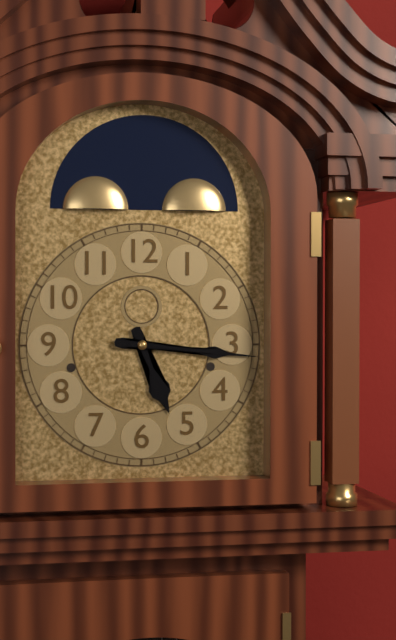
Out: h=5 m=16
